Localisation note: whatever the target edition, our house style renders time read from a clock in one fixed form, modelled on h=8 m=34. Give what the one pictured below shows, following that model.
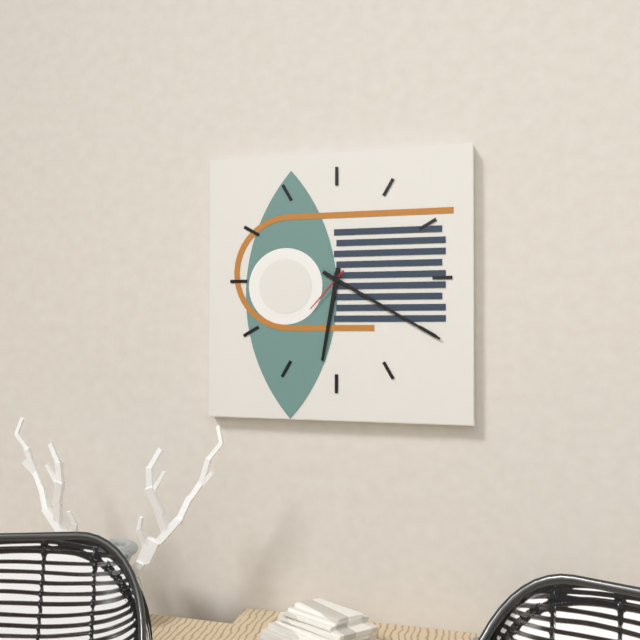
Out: h=6 m=20
